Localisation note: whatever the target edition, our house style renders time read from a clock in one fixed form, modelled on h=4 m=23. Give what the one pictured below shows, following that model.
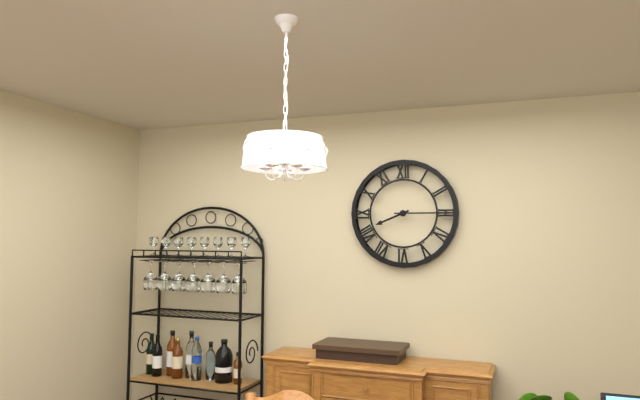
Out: h=8 m=15
